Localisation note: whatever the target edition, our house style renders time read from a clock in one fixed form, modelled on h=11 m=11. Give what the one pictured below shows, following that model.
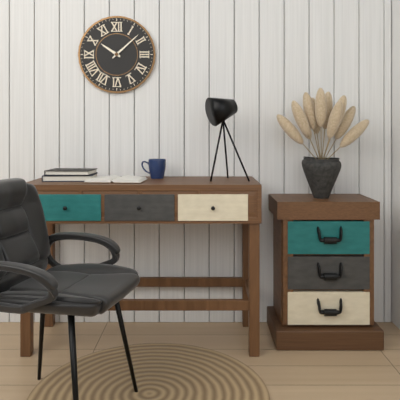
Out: h=10 m=8
